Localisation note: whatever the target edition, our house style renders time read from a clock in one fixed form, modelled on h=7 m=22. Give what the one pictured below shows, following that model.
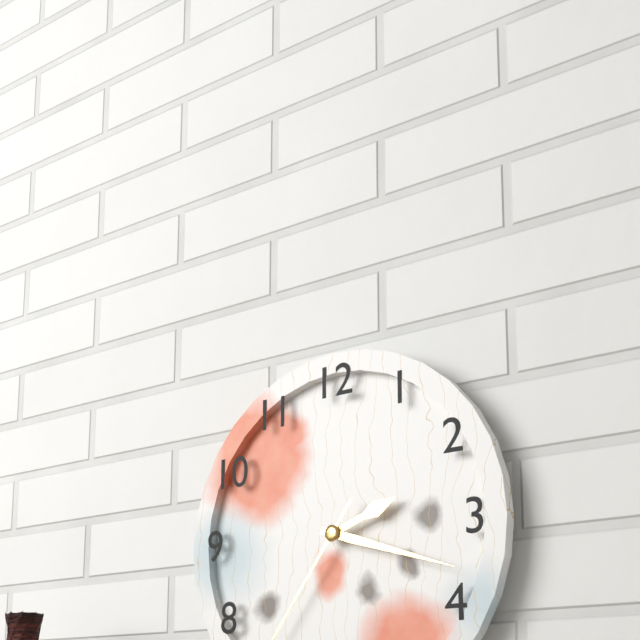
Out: h=2 m=18
